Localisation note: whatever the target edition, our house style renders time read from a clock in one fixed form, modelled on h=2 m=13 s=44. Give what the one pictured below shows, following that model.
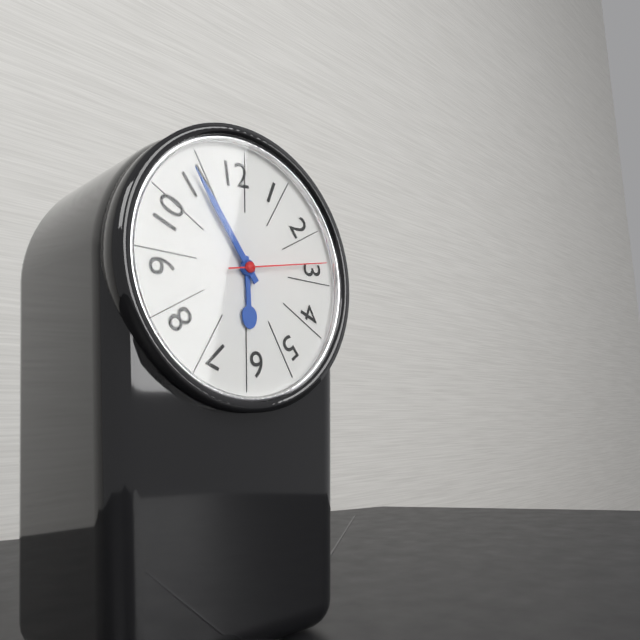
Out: h=5 m=54 s=13
